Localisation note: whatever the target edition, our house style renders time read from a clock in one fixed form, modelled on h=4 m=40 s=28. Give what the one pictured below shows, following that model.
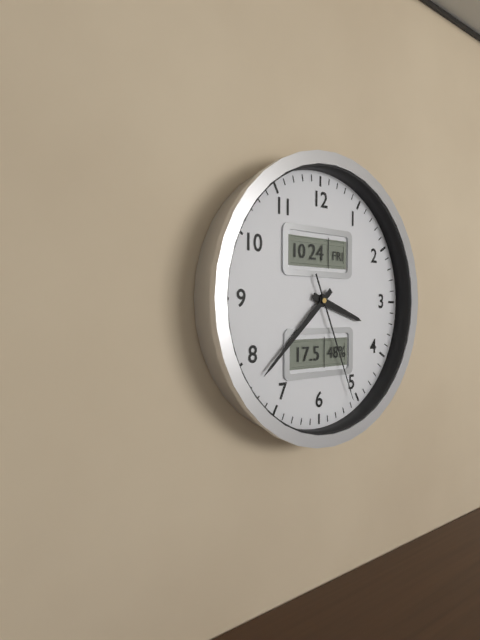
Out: h=3 m=38 s=26
